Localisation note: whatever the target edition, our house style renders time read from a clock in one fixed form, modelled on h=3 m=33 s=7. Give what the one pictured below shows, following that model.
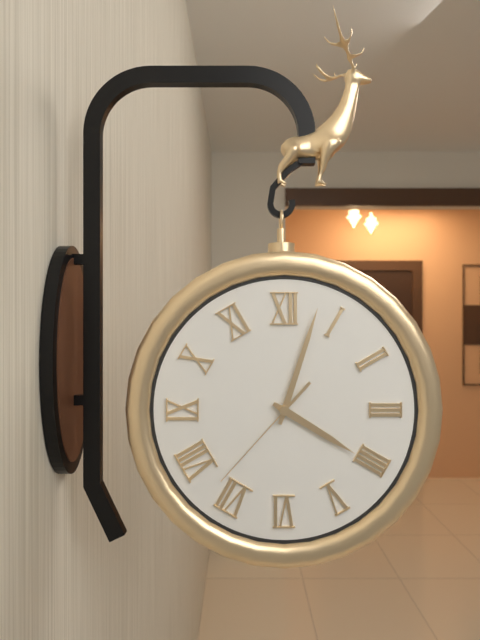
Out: h=4 m=3 s=37
